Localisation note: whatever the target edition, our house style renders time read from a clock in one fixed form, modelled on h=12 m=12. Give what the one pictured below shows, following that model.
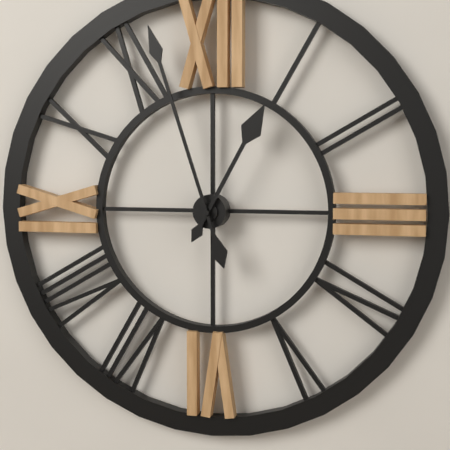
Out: h=12 m=57
